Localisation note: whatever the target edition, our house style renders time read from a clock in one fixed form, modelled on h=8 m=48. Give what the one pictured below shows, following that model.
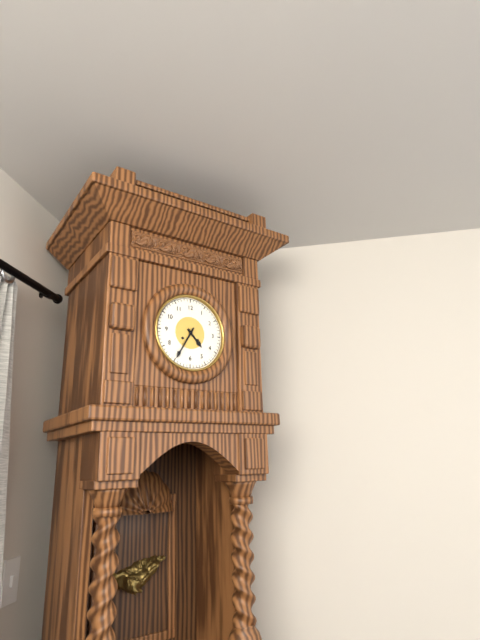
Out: h=4 m=35
